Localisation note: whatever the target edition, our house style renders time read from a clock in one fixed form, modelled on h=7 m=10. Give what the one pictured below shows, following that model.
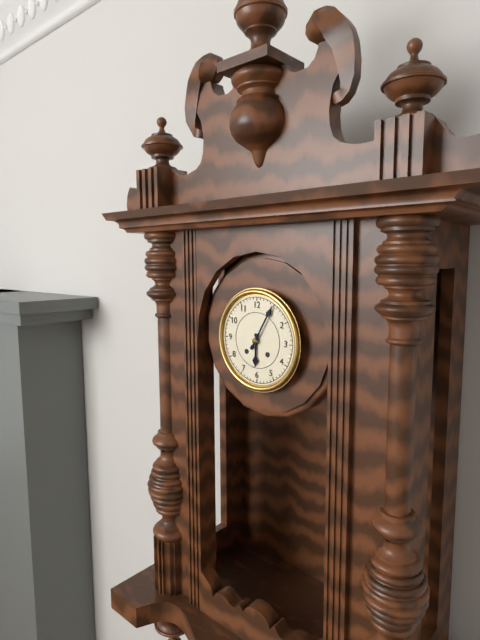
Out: h=6 m=5
